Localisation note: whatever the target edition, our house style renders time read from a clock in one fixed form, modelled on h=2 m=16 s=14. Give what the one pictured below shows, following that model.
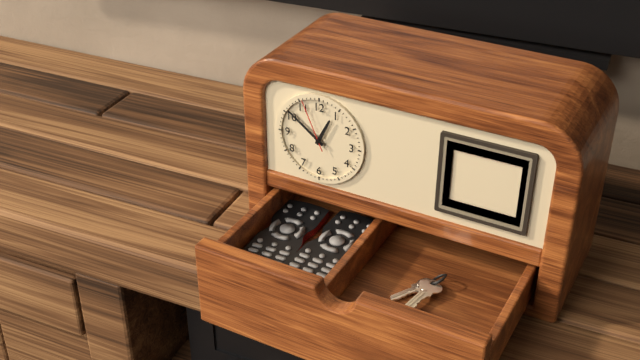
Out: h=12 m=51 s=56
